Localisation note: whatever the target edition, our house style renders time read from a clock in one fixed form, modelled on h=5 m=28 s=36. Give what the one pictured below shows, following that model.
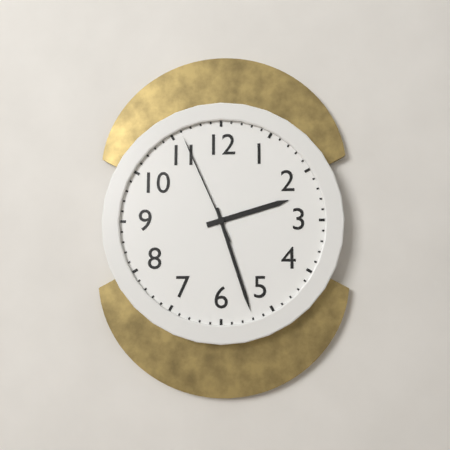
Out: h=2 m=27 s=56
